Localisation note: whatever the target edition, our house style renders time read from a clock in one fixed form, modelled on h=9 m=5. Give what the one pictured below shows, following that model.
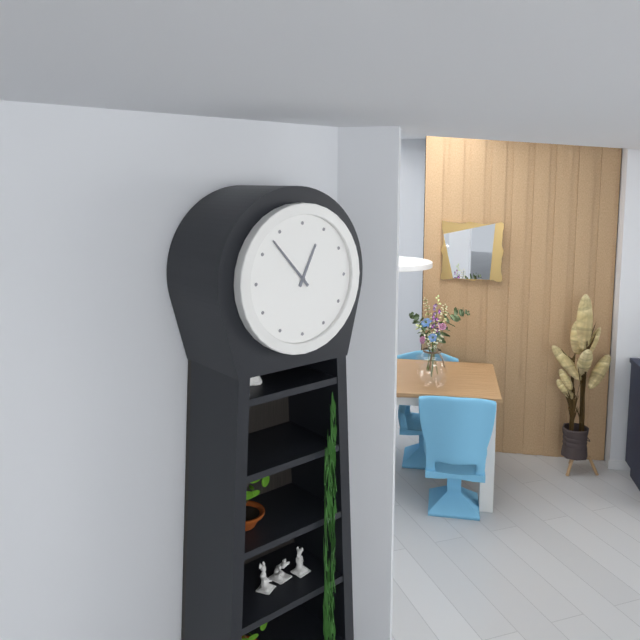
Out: h=12 m=53
